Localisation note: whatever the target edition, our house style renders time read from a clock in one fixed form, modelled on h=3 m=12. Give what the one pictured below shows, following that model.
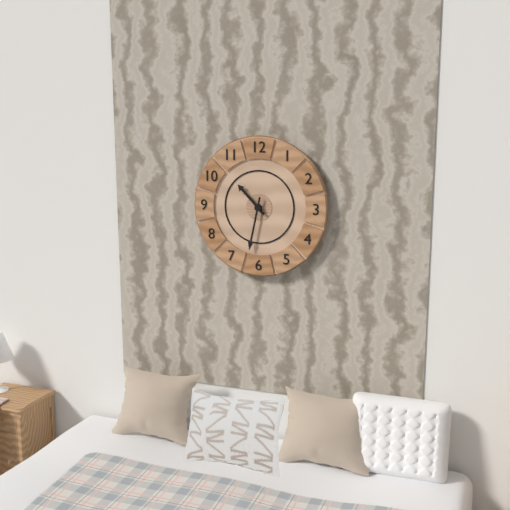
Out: h=10 m=32
